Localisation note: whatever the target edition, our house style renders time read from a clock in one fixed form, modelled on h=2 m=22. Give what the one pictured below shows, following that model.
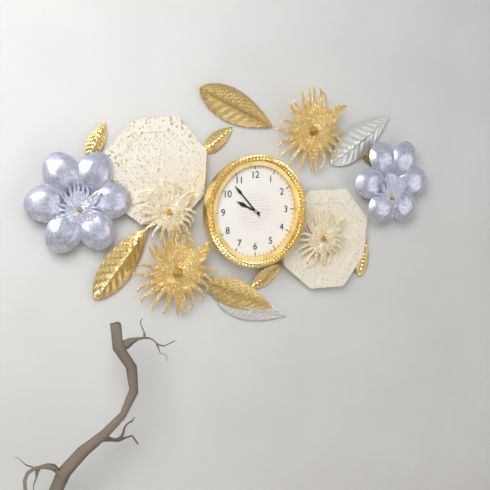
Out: h=9 m=53
